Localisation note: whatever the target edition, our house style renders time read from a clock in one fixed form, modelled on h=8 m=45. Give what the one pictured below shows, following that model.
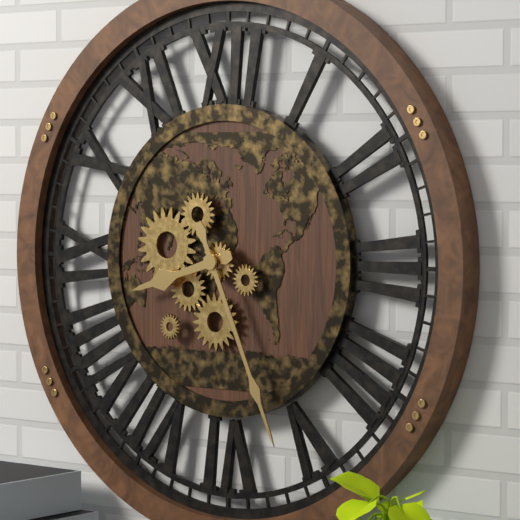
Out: h=8 m=26
